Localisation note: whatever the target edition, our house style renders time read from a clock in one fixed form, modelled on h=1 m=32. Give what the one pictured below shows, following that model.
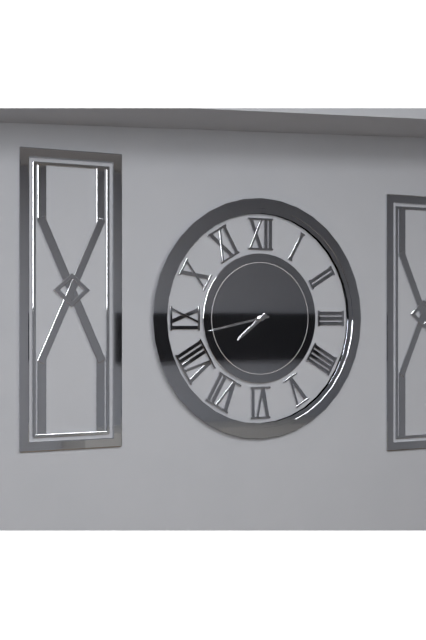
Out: h=7 m=43
